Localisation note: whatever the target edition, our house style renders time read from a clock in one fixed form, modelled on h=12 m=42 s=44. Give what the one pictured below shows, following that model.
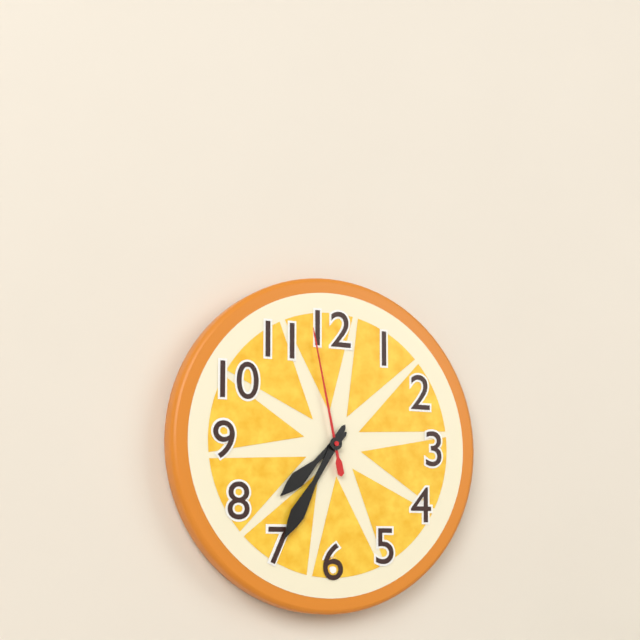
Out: h=7 m=35 s=58
